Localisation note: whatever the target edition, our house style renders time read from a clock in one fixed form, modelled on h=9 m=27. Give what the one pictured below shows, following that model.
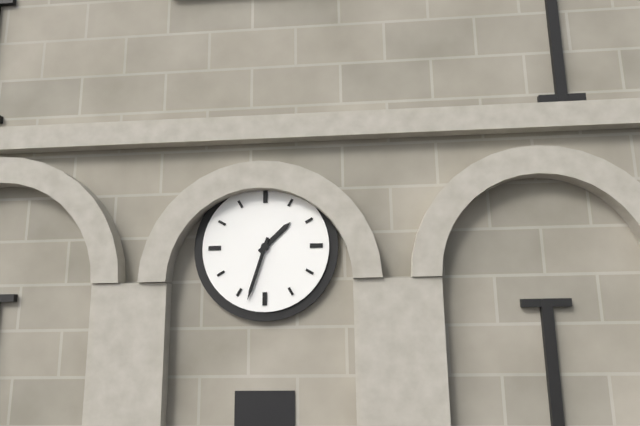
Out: h=1 m=33
